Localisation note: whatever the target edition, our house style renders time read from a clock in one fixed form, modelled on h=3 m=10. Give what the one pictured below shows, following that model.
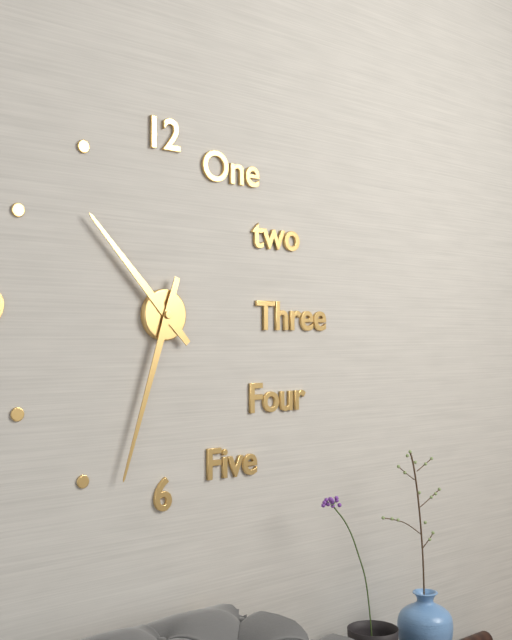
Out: h=10 m=33
